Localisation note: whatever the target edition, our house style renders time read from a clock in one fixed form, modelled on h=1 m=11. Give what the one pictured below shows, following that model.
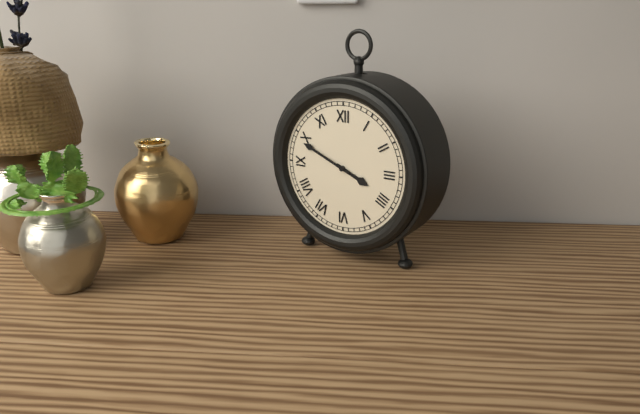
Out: h=3 m=49
